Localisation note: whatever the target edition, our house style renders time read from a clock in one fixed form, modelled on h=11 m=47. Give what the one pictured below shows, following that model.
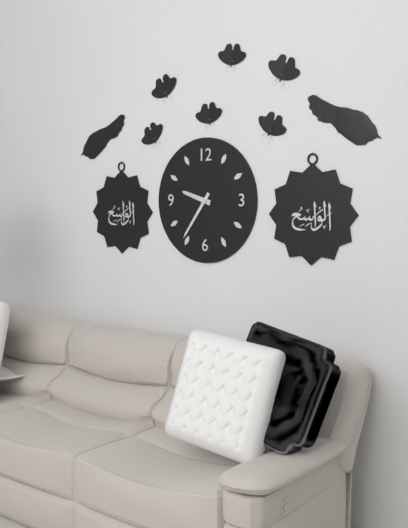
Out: h=9 m=36
